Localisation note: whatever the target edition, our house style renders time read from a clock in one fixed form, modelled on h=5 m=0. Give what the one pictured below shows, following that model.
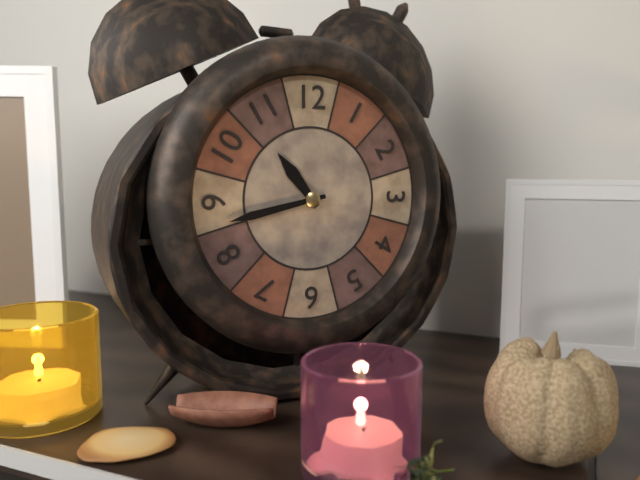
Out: h=10 m=43
